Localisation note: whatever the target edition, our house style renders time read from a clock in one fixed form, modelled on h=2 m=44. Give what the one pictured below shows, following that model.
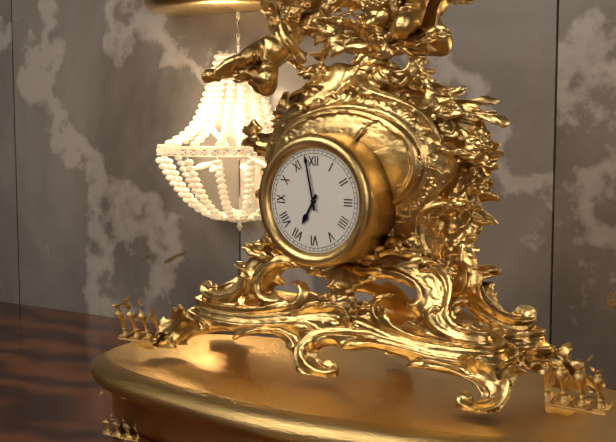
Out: h=6 m=58
